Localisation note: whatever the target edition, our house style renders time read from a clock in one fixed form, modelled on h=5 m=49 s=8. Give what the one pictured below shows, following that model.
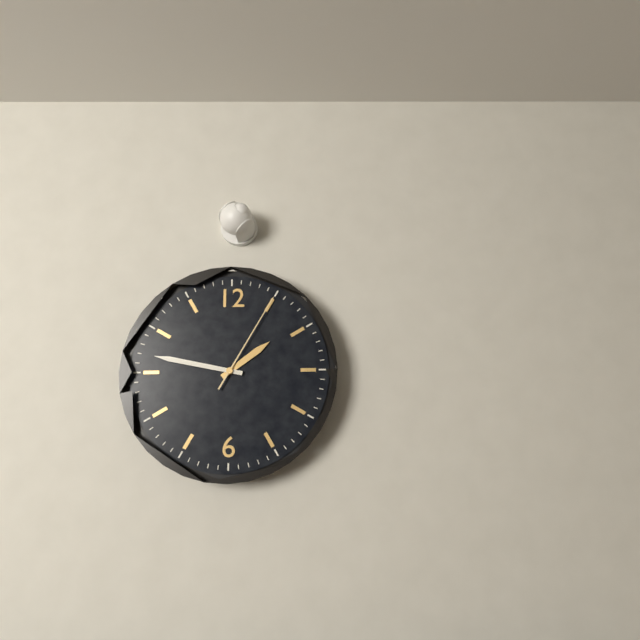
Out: h=1 m=47 s=5
